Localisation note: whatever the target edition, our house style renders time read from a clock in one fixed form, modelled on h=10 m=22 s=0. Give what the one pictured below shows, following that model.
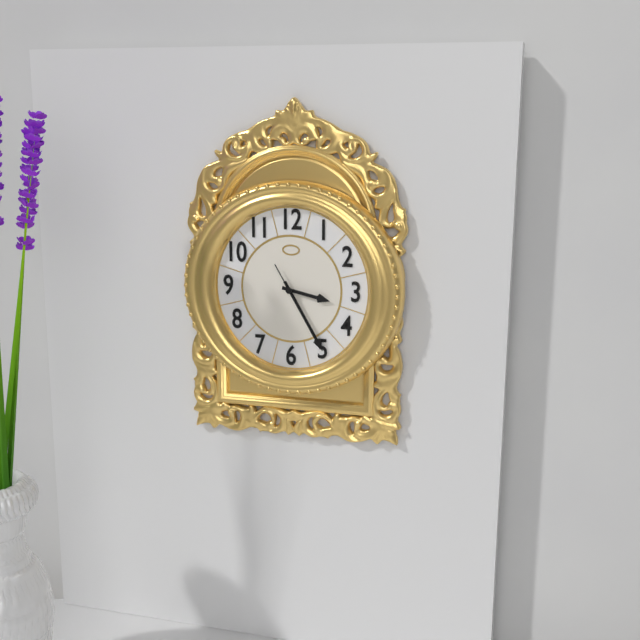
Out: h=3 m=25 s=25
